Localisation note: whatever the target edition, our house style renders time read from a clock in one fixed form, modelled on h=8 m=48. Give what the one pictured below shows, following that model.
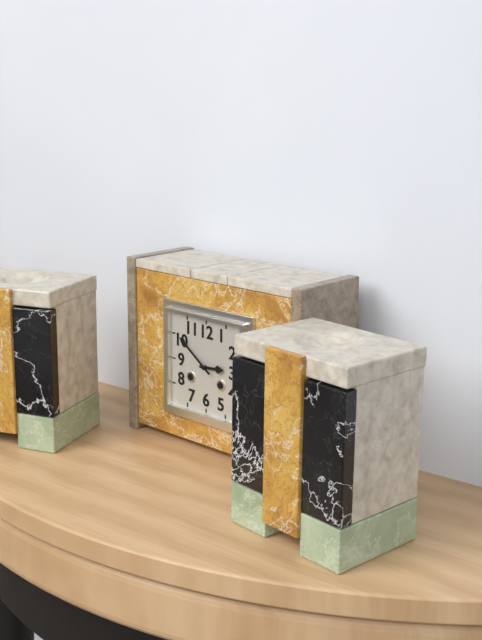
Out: h=2 m=51
